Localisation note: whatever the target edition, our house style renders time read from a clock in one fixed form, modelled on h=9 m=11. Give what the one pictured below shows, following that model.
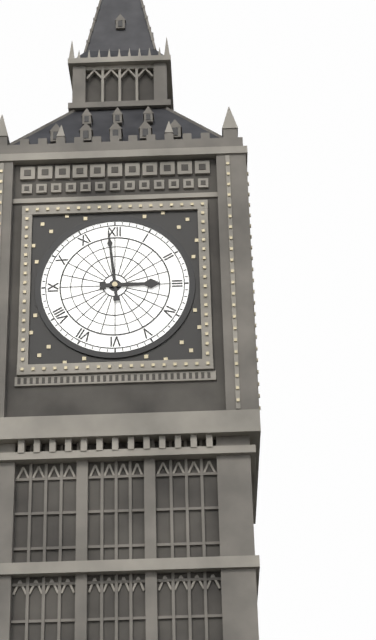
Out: h=2 m=59
